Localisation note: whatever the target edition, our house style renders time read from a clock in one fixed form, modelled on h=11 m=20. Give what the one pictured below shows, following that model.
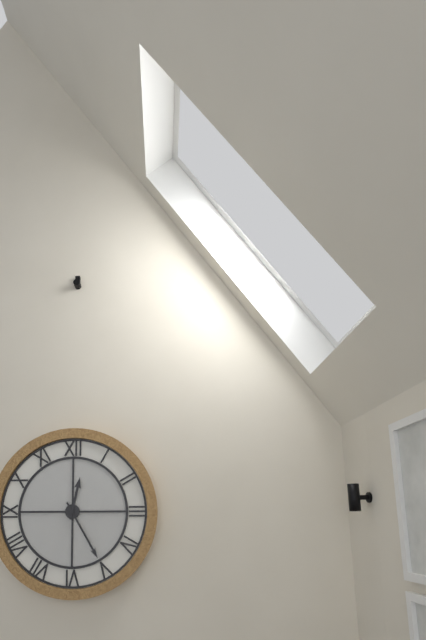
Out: h=12 m=25
